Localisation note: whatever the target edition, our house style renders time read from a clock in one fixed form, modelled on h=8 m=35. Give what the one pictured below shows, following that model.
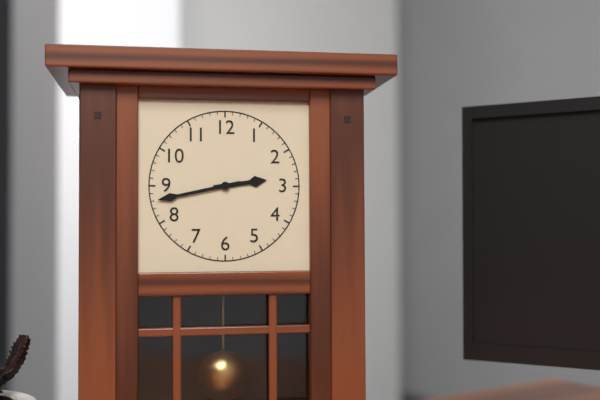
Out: h=2 m=43
